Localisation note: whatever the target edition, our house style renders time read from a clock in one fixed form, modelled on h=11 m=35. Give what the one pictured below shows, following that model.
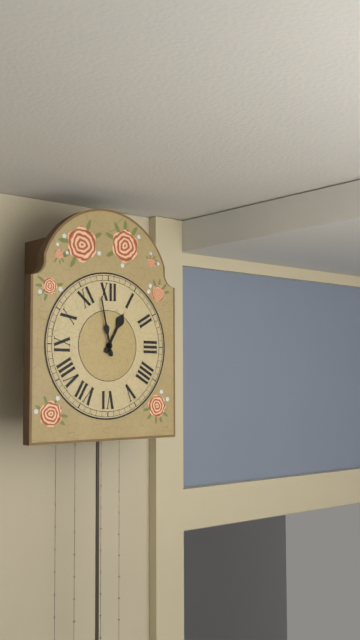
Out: h=12 m=58
